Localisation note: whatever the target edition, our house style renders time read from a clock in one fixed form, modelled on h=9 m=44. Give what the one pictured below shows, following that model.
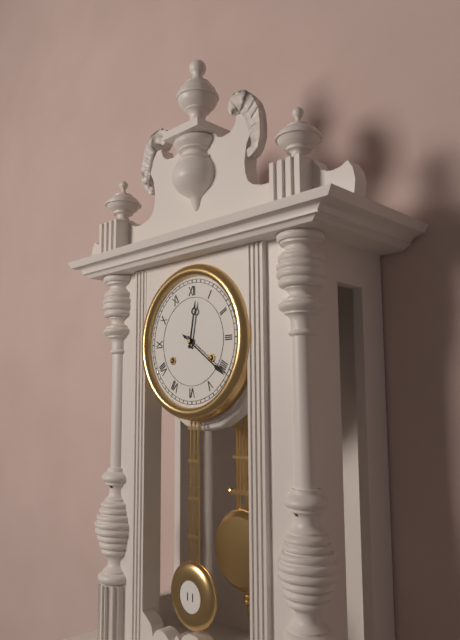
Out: h=12 m=21
